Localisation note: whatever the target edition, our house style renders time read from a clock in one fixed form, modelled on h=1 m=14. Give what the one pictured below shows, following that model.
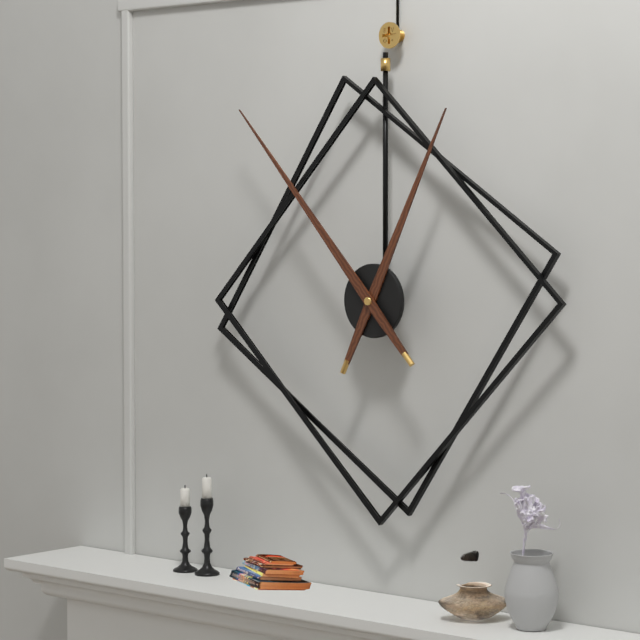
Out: h=12 m=53
